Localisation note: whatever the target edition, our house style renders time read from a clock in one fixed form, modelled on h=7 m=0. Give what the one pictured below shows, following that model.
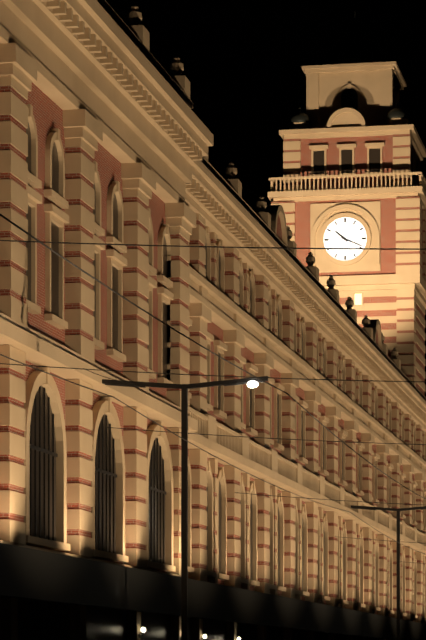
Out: h=10 m=19
